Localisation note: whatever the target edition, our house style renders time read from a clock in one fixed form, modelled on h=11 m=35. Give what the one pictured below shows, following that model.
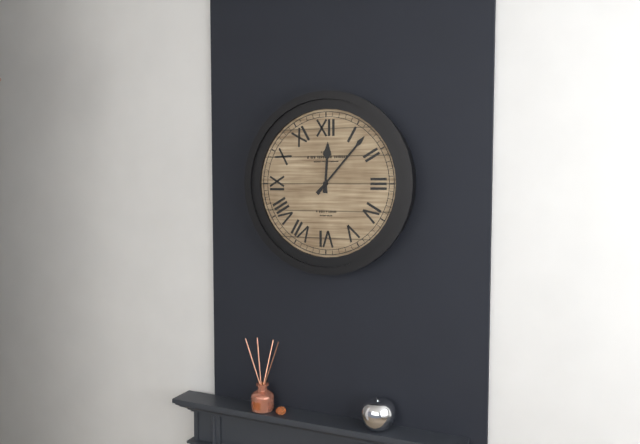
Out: h=12 m=7
